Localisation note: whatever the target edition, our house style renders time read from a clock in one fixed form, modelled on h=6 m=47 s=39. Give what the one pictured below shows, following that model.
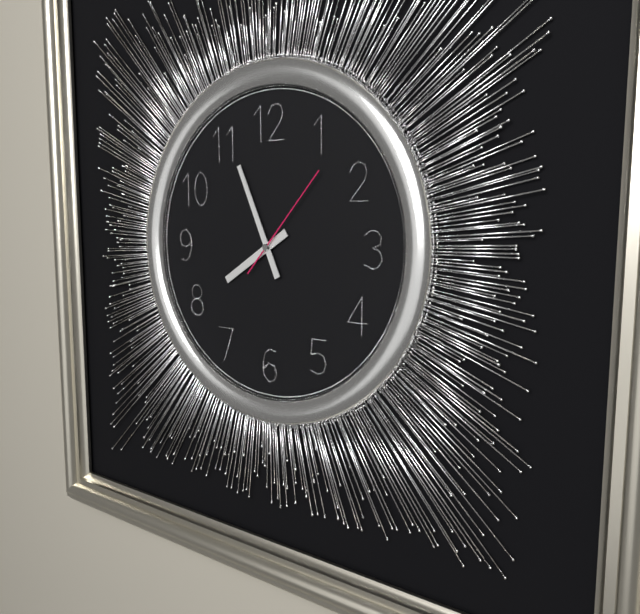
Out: h=7 m=56 s=7
